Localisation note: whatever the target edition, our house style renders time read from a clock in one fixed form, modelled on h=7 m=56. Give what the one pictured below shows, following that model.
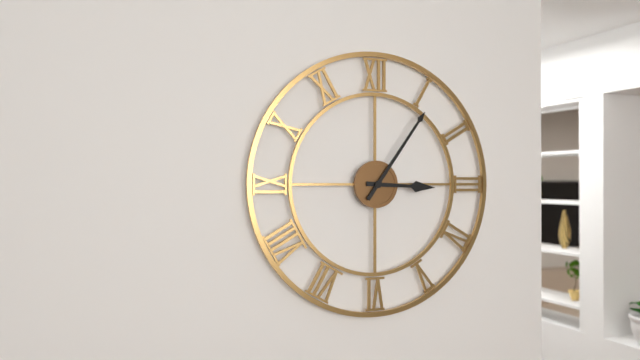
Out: h=3 m=6
